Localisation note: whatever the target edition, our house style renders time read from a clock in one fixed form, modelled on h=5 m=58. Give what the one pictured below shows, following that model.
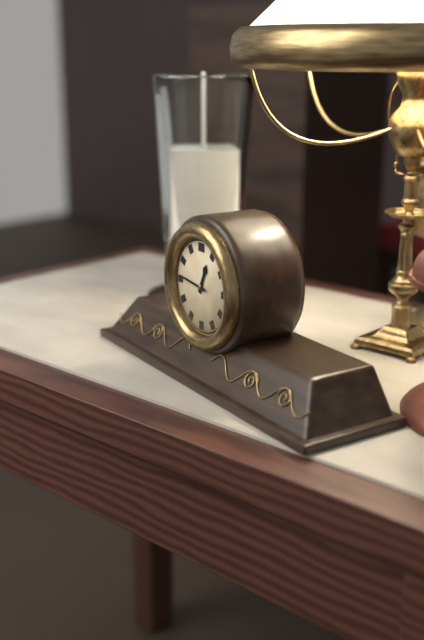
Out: h=12 m=46
